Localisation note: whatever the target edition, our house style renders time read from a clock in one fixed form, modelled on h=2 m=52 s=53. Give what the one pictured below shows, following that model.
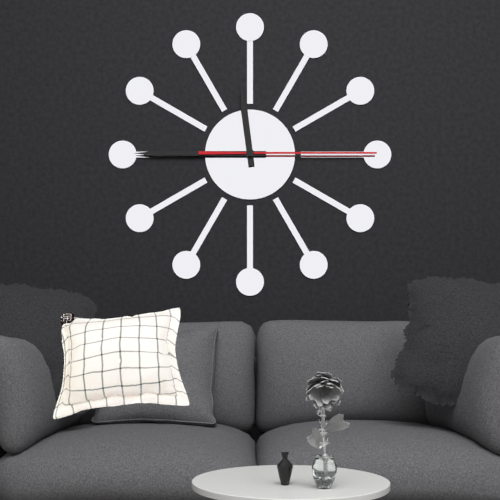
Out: h=11 m=45 s=15
